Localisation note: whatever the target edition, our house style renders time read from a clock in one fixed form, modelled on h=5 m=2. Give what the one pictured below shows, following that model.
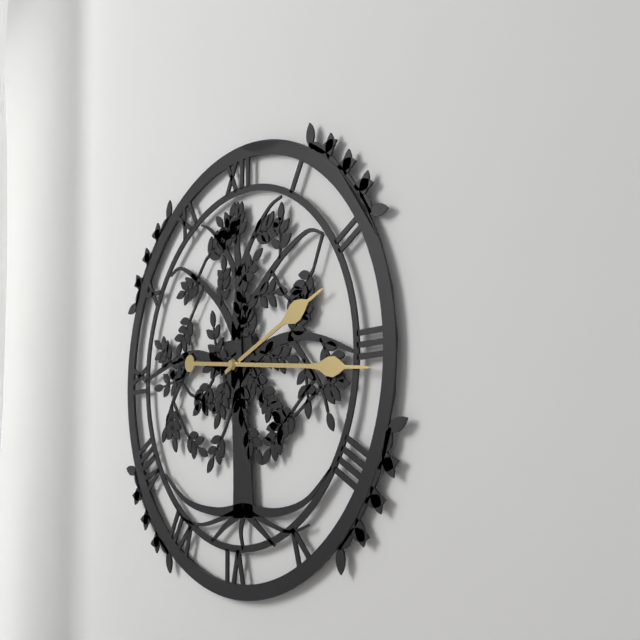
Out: h=2 m=16
